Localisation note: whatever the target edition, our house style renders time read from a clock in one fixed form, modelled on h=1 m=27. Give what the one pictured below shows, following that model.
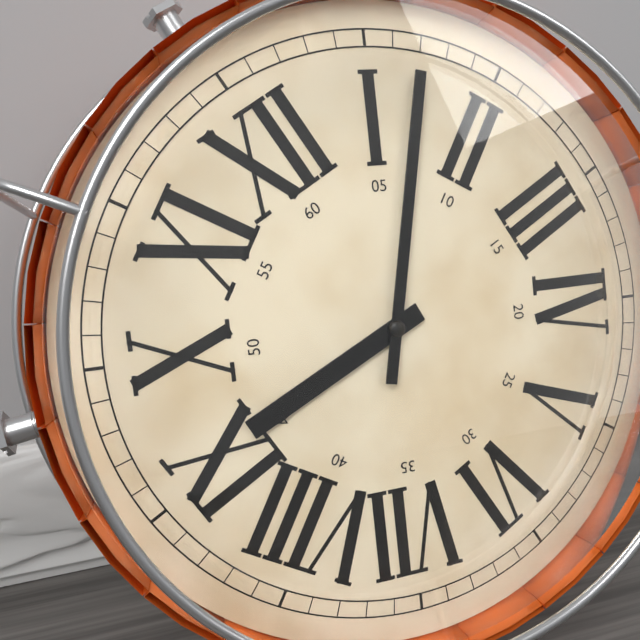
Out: h=9 m=7
